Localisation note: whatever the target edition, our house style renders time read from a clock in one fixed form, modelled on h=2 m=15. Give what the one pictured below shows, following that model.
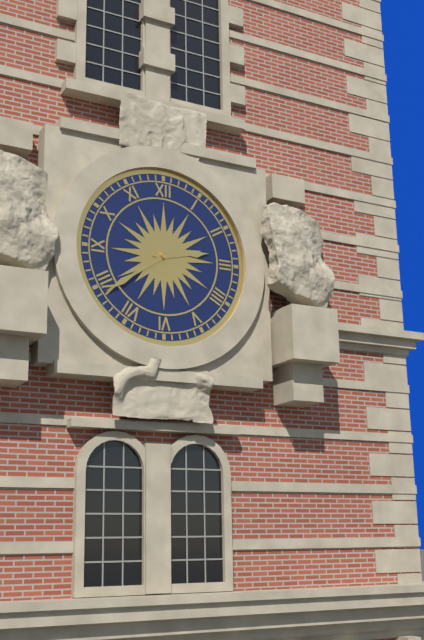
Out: h=2 m=39
